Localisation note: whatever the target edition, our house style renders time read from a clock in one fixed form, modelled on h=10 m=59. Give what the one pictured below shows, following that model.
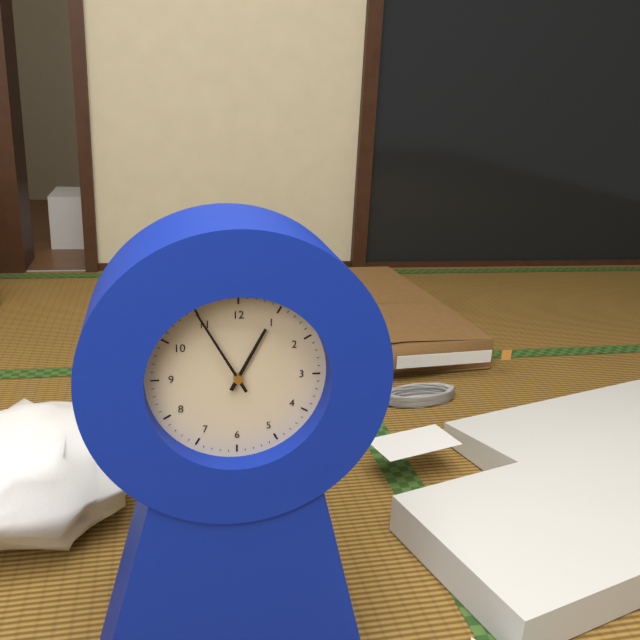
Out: h=12 m=55
